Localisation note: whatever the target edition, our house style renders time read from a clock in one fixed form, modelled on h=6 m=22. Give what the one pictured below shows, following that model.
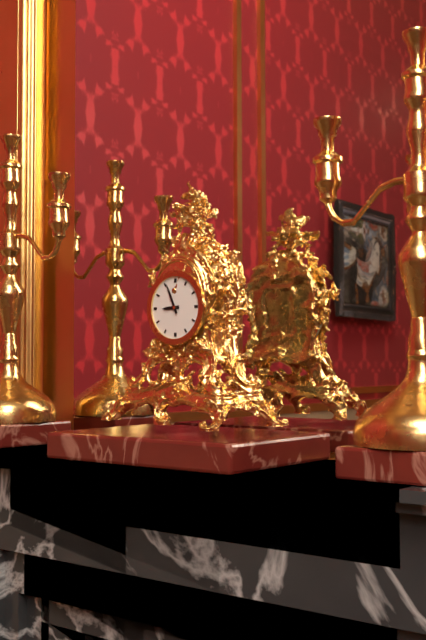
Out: h=8 m=56
